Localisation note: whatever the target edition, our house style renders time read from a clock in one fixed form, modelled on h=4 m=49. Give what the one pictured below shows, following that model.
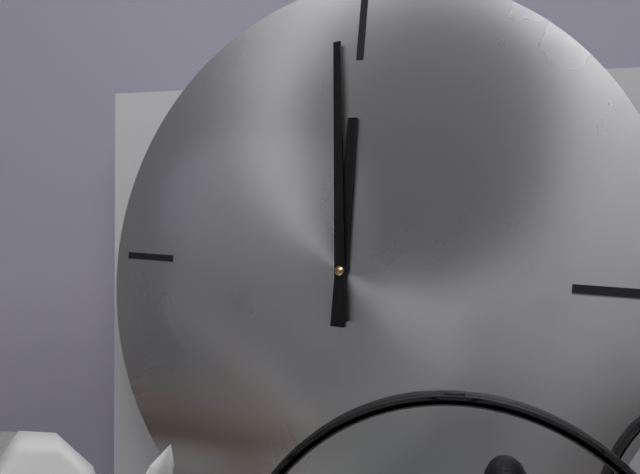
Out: h=11 m=59
